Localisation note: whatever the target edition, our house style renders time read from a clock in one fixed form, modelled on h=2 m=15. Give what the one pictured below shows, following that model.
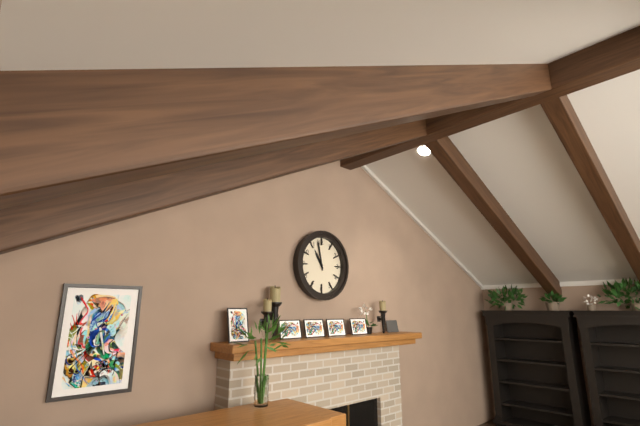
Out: h=10 m=58
